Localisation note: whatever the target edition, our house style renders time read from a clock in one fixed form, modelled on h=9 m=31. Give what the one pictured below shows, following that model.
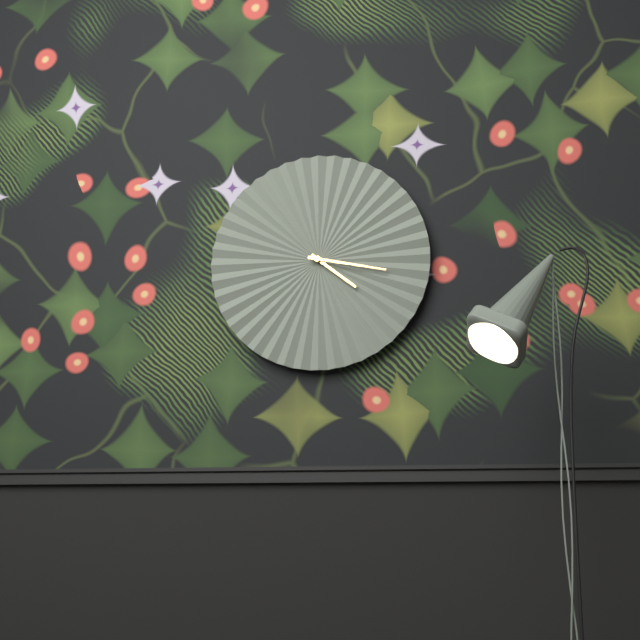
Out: h=4 m=17
